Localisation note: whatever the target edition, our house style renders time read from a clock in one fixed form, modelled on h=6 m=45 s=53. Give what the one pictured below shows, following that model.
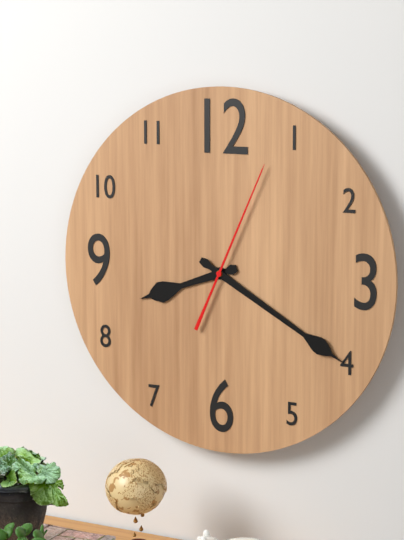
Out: h=8 m=20 s=4
